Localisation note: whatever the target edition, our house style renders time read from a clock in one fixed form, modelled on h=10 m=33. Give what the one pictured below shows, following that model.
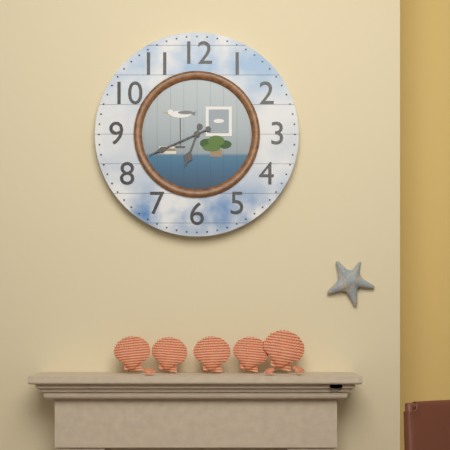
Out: h=6 m=41
